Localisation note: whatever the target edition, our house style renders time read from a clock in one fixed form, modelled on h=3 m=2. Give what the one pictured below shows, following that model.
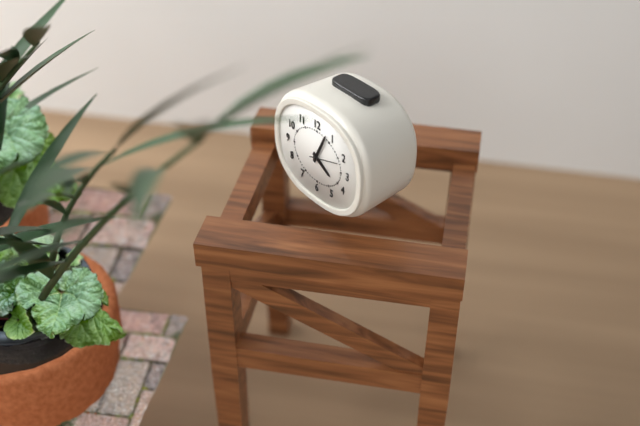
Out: h=4 m=4
